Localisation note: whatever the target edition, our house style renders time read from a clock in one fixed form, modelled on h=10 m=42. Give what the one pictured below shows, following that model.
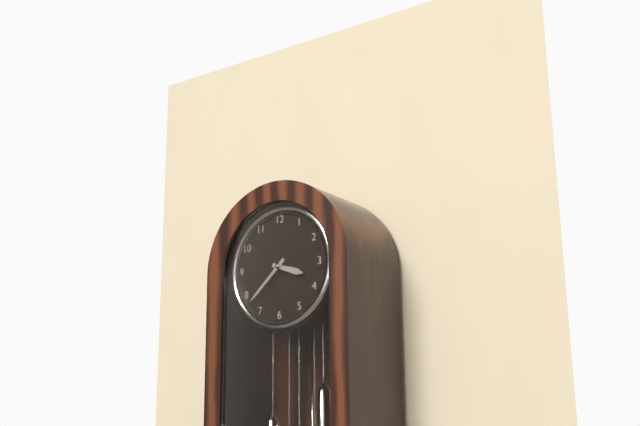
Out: h=3 m=38
